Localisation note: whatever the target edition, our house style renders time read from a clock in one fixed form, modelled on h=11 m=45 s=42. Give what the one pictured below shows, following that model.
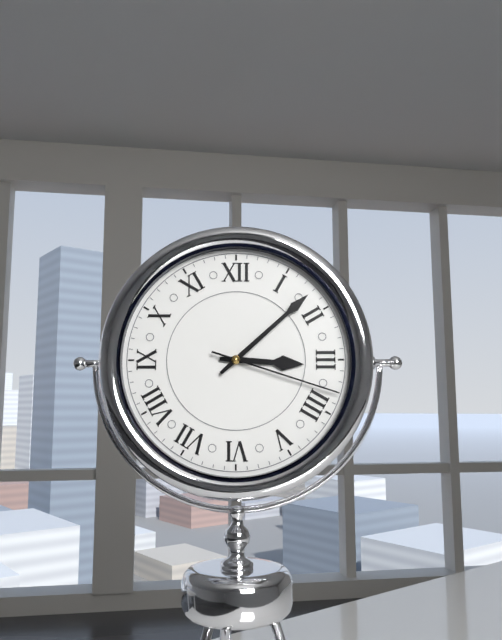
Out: h=3 m=8 s=18
